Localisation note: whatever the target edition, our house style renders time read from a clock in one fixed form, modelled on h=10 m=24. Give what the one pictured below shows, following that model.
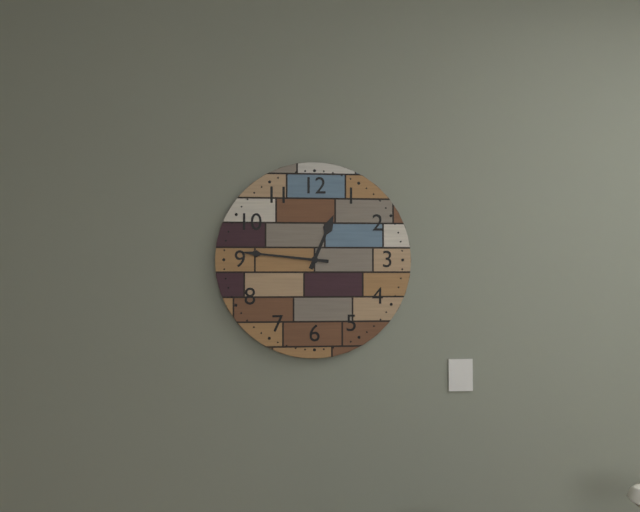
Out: h=12 m=46
